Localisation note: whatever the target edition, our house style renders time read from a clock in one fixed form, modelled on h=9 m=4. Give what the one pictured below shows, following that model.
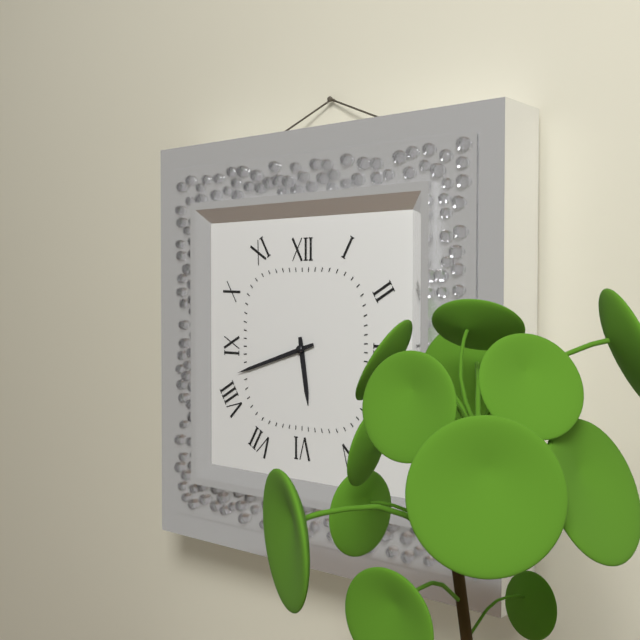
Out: h=5 m=42
